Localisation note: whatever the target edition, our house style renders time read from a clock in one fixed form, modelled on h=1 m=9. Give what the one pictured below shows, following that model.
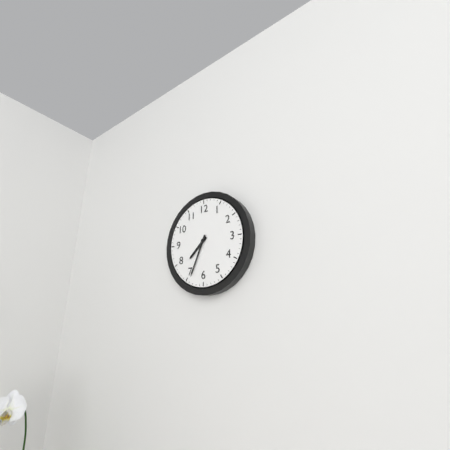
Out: h=7 m=34
